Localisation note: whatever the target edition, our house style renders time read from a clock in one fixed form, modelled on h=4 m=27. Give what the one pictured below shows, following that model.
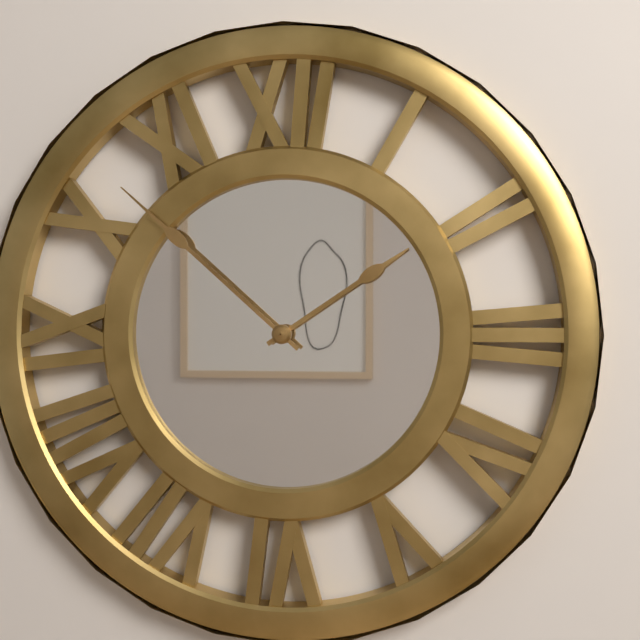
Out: h=1 m=52
